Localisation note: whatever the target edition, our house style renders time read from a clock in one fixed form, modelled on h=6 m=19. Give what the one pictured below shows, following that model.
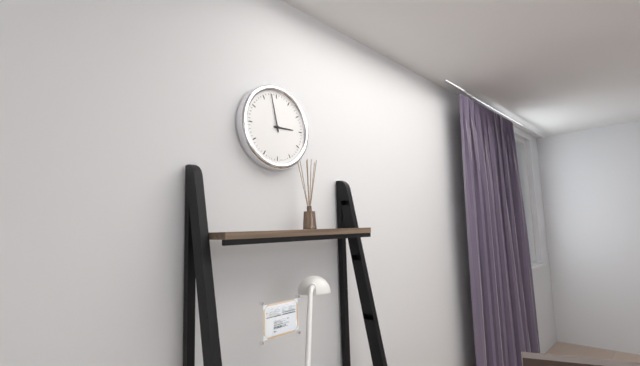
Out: h=2 m=58
